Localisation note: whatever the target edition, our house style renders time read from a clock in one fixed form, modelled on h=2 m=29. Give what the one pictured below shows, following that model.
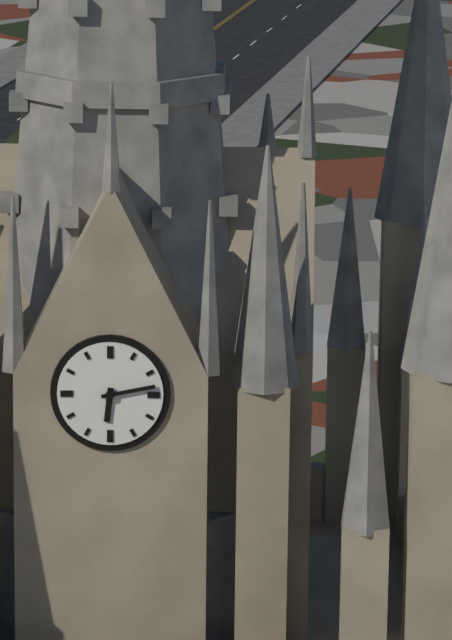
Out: h=6 m=13
